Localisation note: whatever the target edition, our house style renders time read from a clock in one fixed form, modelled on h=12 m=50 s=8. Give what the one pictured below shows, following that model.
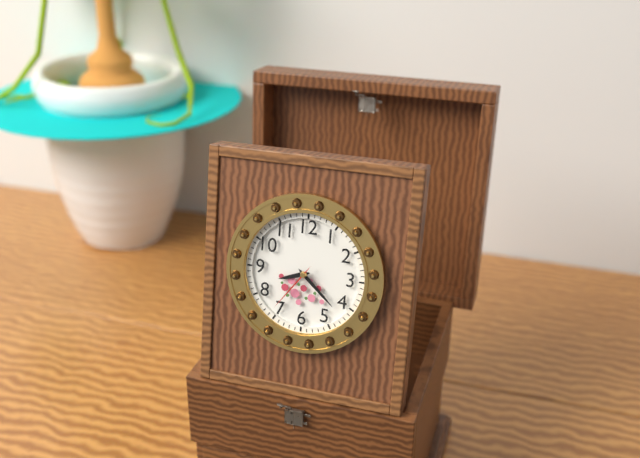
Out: h=8 m=22 s=36
